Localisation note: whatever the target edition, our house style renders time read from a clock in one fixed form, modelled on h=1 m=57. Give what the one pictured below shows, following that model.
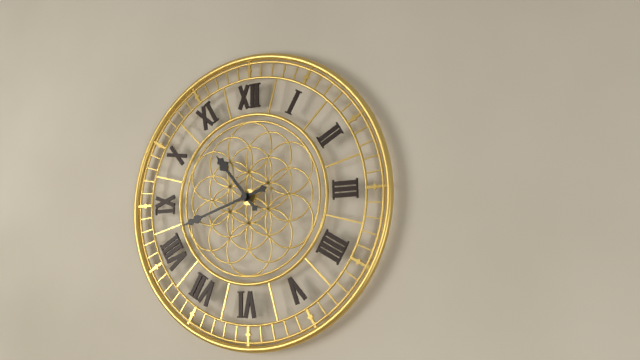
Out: h=10 m=42
